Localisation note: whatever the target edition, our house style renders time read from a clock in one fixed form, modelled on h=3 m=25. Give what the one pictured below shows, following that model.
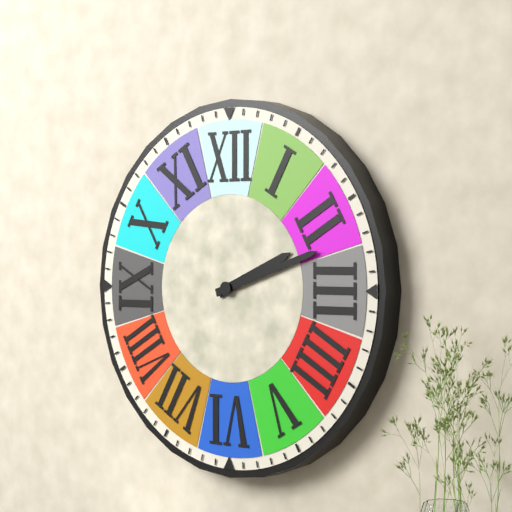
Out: h=2 m=12
